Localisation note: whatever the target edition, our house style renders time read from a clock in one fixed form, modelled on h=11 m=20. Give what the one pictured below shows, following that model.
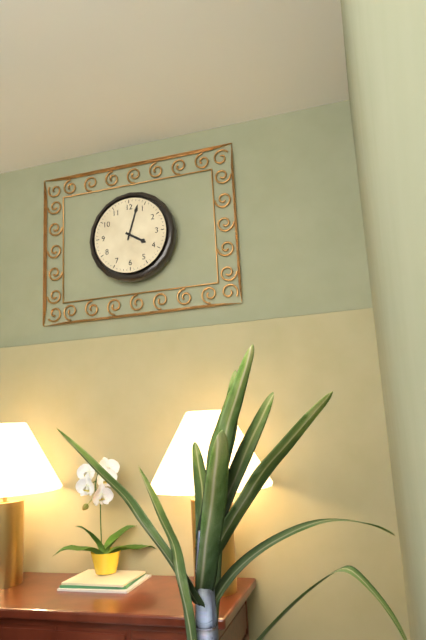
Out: h=4 m=3
